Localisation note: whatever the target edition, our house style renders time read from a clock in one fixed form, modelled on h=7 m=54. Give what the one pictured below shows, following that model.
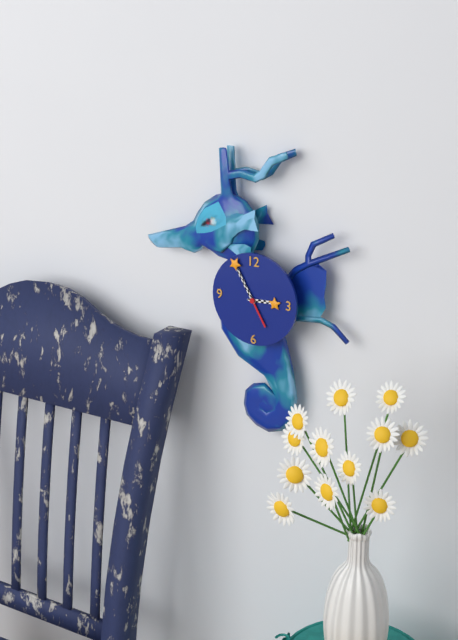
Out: h=2 m=55
